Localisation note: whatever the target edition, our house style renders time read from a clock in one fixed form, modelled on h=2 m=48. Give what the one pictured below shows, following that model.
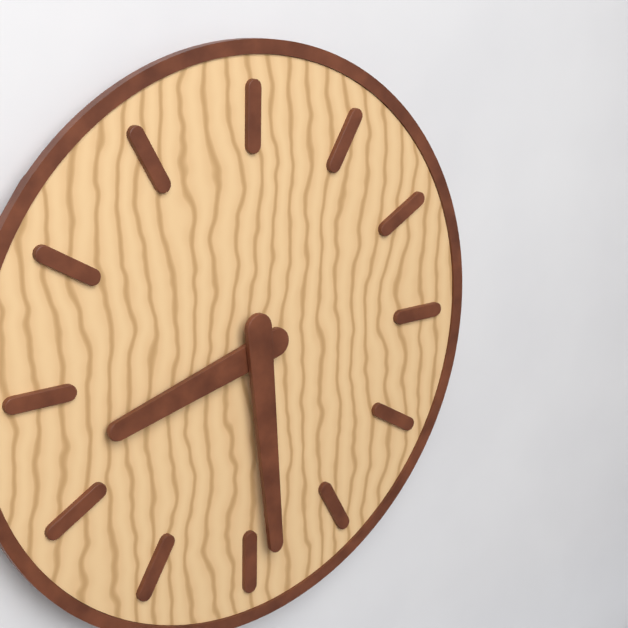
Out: h=8 m=29
